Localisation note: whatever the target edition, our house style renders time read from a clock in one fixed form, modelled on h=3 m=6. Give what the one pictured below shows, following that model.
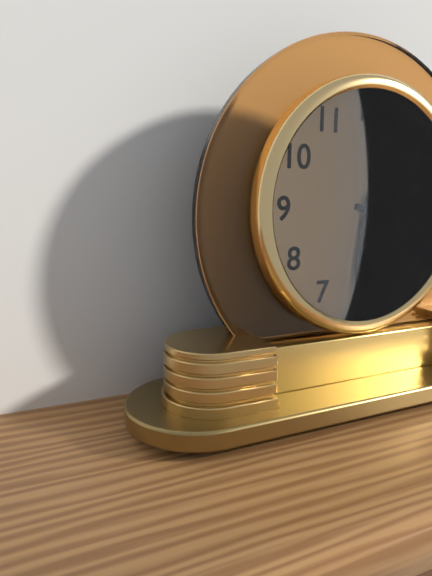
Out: h=3 m=31
